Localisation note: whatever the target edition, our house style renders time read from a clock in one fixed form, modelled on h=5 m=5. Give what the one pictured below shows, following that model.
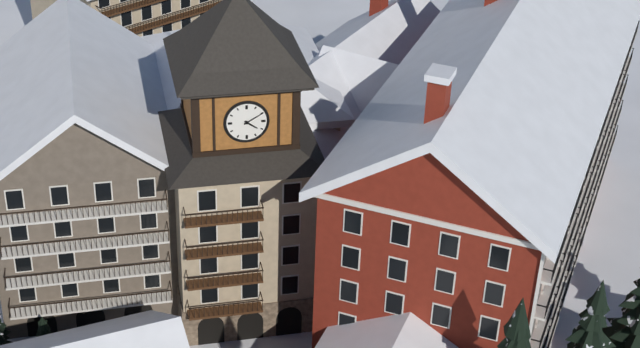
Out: h=4 m=10
